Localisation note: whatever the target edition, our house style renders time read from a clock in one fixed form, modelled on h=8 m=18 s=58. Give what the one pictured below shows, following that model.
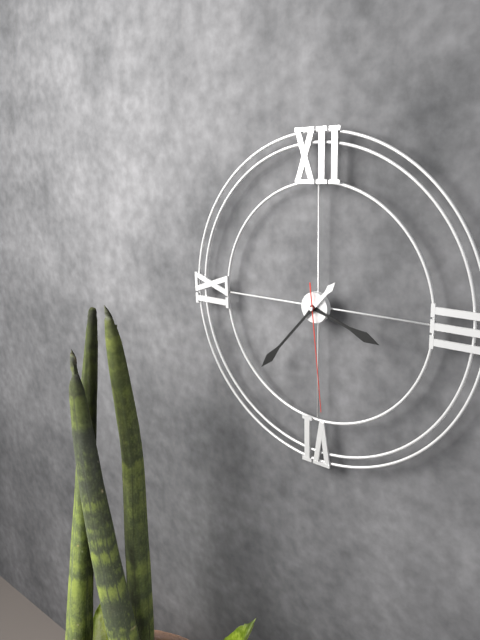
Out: h=3 m=37 s=29
